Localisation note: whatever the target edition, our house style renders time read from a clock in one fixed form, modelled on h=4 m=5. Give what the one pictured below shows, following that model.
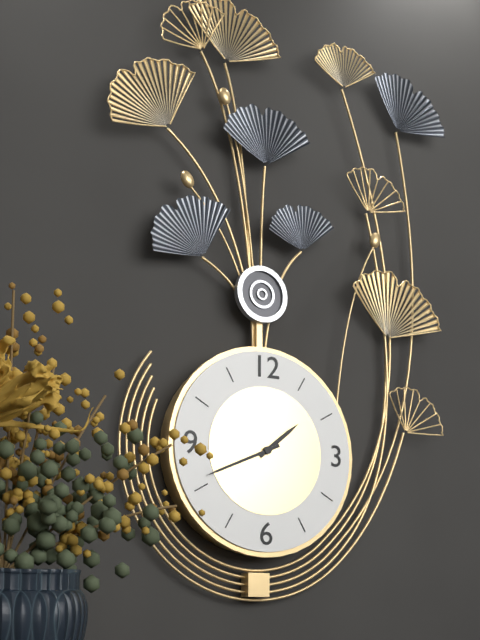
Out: h=1 m=41
